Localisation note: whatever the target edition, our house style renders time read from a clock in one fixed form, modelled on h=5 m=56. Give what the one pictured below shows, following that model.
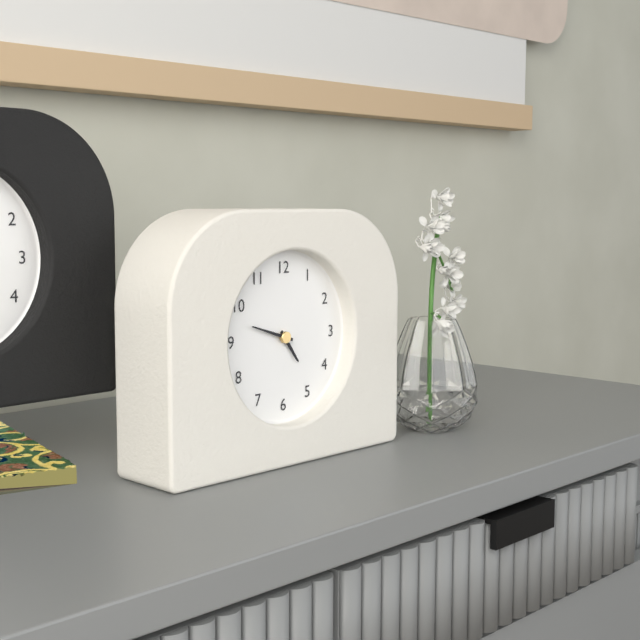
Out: h=4 m=48
